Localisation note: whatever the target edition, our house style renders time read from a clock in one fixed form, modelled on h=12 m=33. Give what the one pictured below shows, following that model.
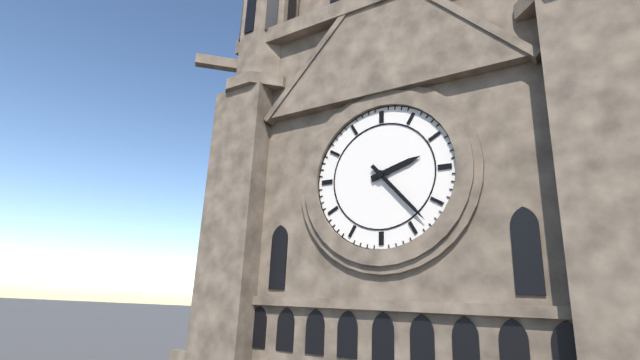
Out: h=2 m=23
